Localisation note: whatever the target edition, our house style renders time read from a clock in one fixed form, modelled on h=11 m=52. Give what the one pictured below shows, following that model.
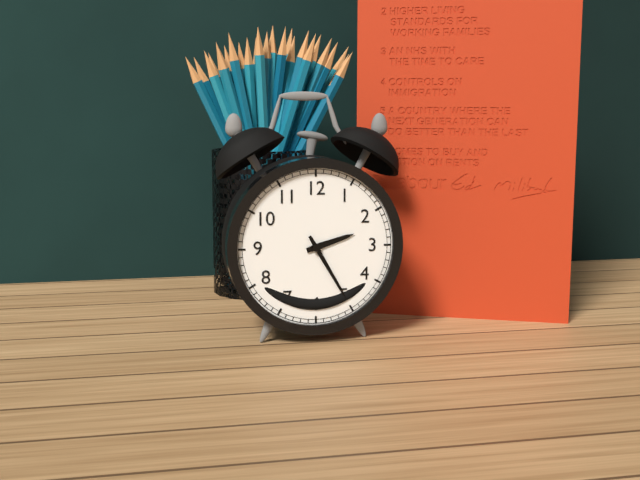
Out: h=2 m=25
